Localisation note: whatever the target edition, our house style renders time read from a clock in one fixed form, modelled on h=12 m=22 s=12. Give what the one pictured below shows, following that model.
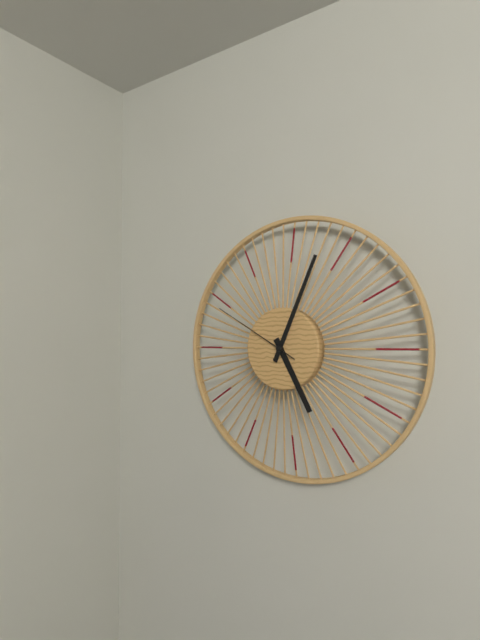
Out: h=5 m=4 s=50
